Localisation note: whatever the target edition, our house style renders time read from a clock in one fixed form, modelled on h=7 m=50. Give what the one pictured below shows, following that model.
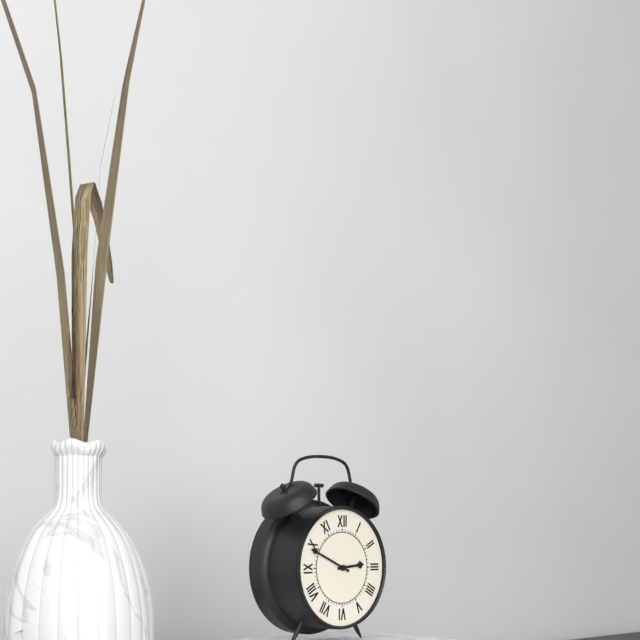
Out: h=2 m=49
